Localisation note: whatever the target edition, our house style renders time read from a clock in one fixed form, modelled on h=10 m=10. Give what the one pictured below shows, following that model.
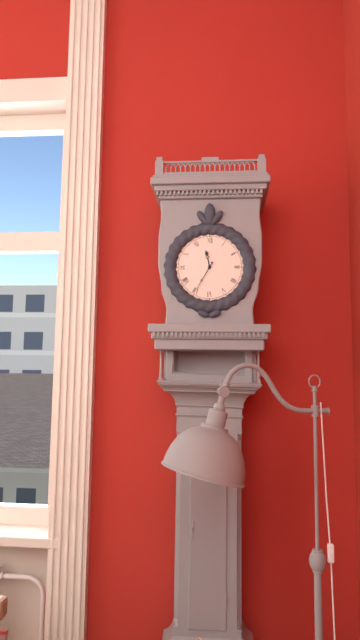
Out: h=11 m=35
